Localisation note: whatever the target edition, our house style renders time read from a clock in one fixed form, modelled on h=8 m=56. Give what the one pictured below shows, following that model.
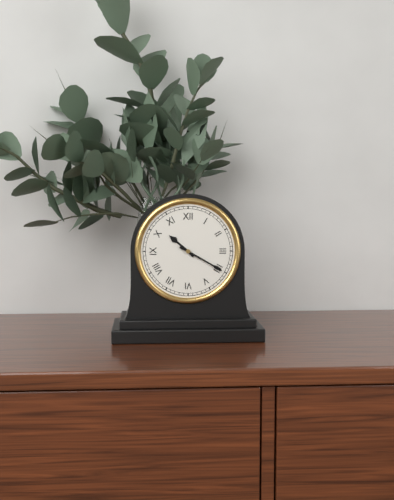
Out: h=10 m=20
